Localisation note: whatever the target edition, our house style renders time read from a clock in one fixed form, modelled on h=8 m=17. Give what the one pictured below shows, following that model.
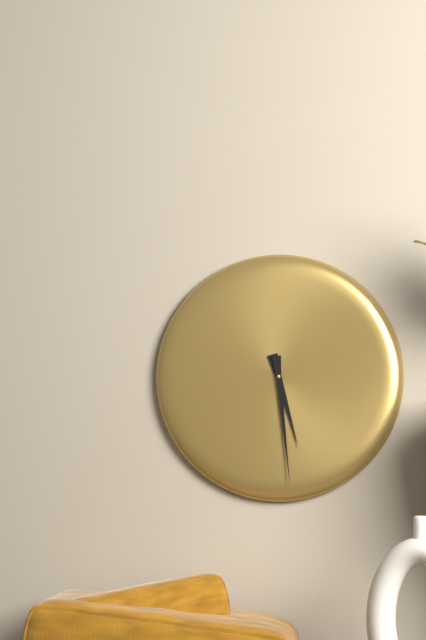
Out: h=5 m=29
